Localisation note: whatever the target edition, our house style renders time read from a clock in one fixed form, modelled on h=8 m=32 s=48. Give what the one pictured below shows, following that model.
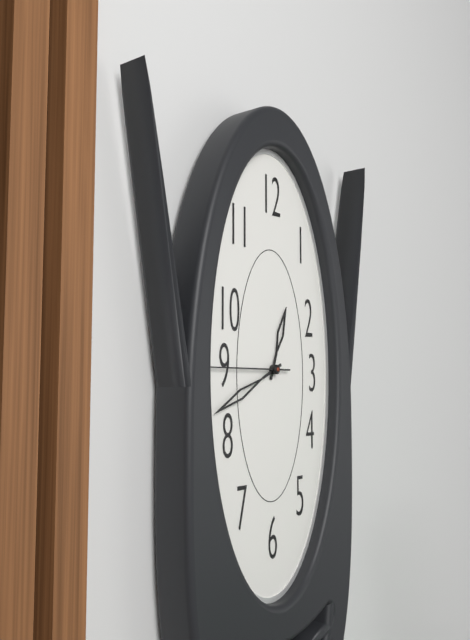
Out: h=12 m=41 s=45
